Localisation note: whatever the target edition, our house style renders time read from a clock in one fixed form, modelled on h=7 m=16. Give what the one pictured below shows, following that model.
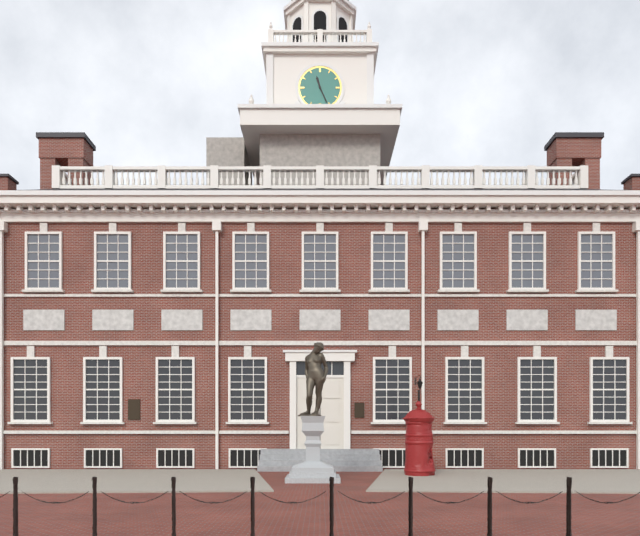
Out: h=11 m=26
